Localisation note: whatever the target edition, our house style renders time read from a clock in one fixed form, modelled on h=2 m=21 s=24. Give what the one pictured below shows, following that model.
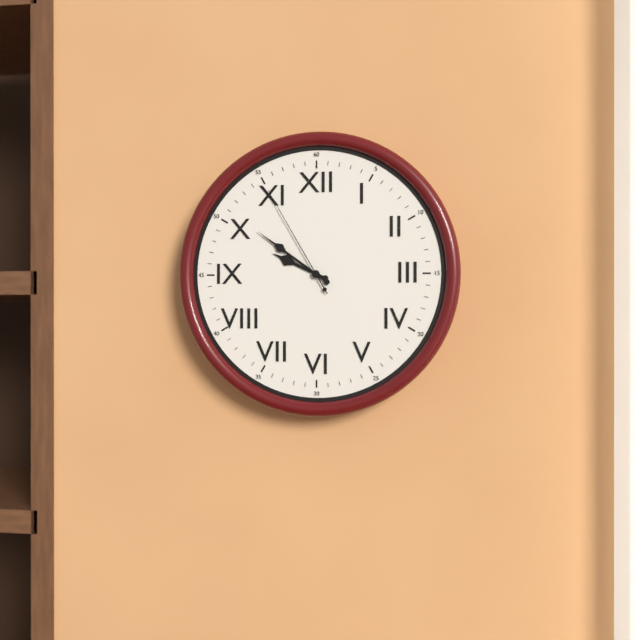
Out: h=9 m=51 s=55
